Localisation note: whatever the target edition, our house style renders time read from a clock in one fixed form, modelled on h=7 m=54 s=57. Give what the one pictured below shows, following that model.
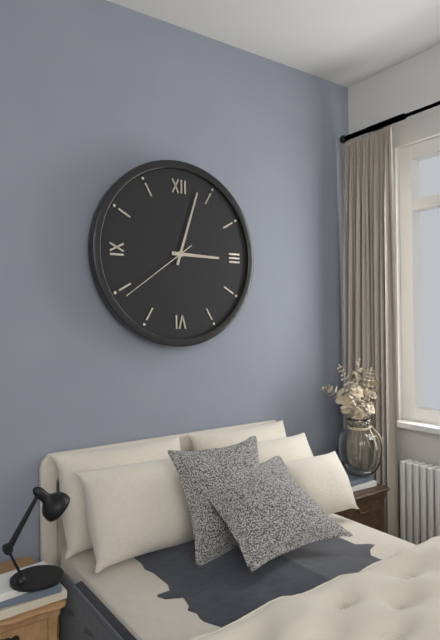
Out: h=3 m=3 s=39
